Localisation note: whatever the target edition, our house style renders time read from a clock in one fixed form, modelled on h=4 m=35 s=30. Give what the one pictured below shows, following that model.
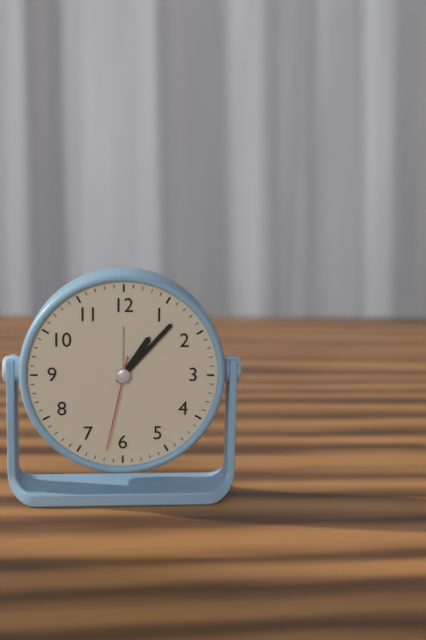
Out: h=1 m=7 s=32
